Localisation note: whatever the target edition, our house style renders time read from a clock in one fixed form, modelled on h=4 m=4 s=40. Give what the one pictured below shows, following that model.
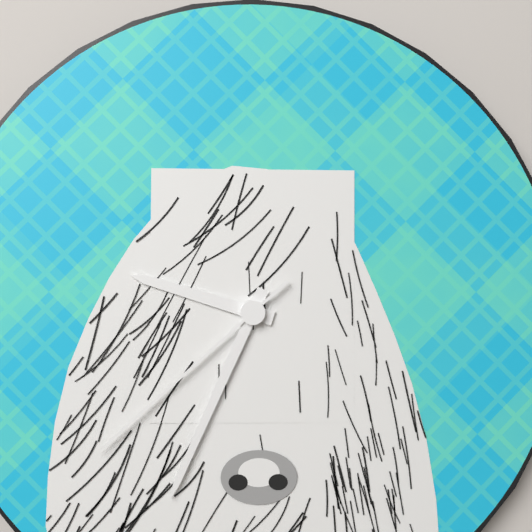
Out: h=9 m=34 s=38
